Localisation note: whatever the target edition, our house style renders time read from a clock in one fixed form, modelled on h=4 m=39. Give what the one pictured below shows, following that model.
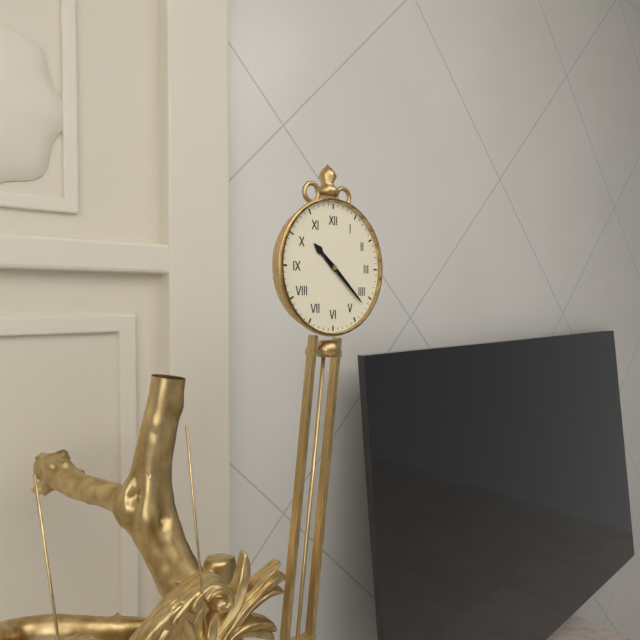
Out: h=10 m=22
